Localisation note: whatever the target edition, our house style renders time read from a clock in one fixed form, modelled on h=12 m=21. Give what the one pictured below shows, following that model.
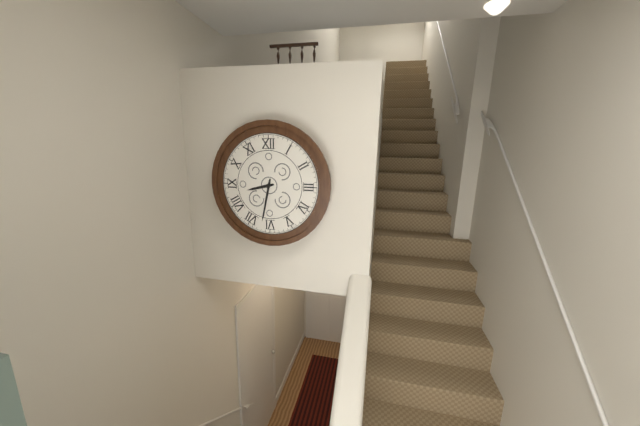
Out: h=8 m=32
